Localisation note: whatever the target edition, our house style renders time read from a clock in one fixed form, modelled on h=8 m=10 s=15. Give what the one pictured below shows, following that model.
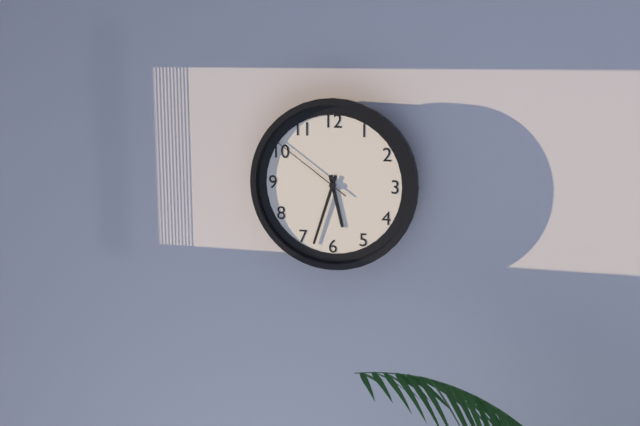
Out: h=5 m=33 s=51
